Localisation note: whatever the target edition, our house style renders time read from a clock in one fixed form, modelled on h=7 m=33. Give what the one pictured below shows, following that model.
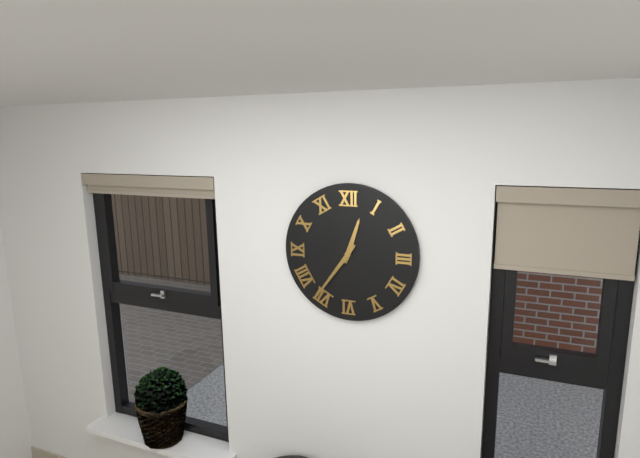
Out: h=12 m=36
